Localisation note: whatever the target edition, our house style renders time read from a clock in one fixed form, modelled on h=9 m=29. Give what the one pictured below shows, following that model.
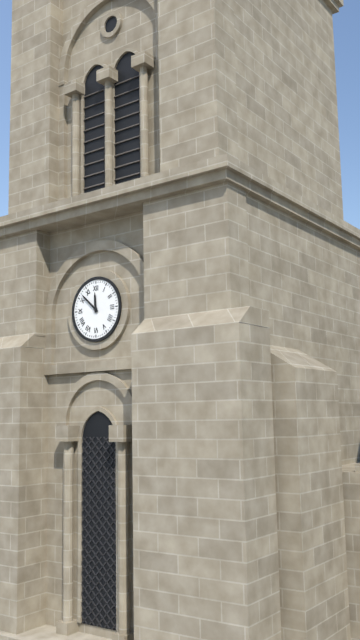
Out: h=11 m=52
